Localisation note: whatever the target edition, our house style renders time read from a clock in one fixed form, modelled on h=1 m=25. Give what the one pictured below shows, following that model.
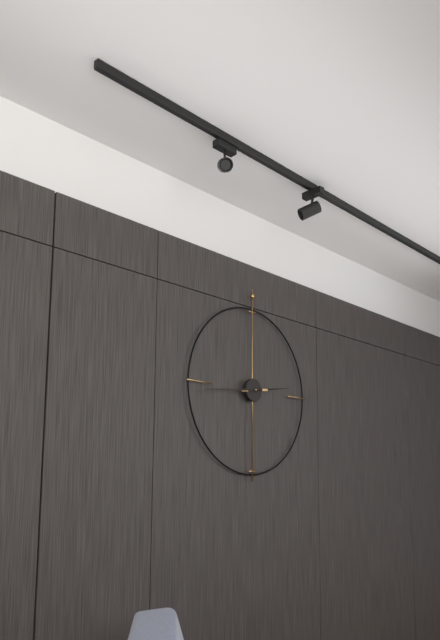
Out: h=2 m=44
